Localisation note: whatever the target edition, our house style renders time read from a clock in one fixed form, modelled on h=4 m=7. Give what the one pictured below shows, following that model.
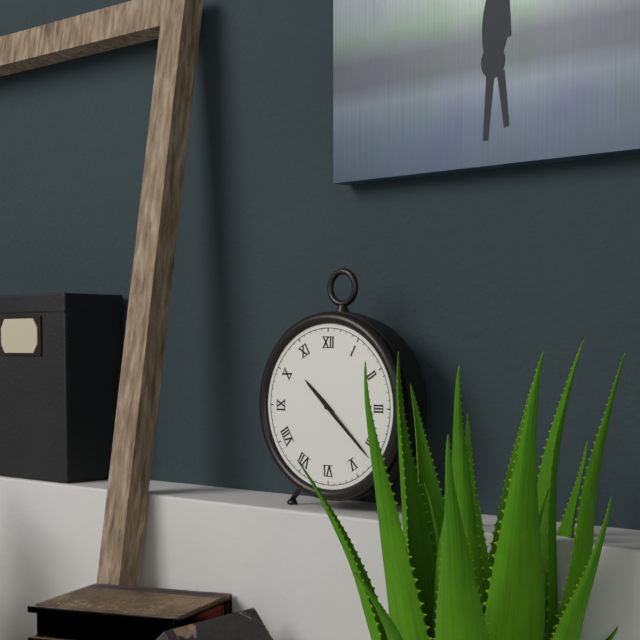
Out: h=10 m=22
